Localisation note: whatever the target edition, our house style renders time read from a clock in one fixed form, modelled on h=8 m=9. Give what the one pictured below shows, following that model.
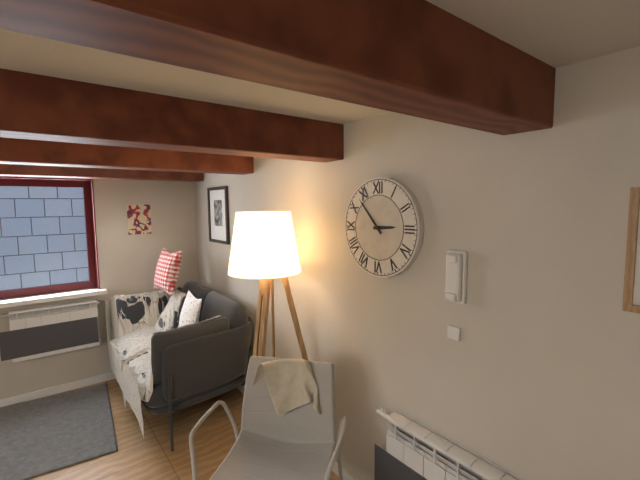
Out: h=2 m=53
